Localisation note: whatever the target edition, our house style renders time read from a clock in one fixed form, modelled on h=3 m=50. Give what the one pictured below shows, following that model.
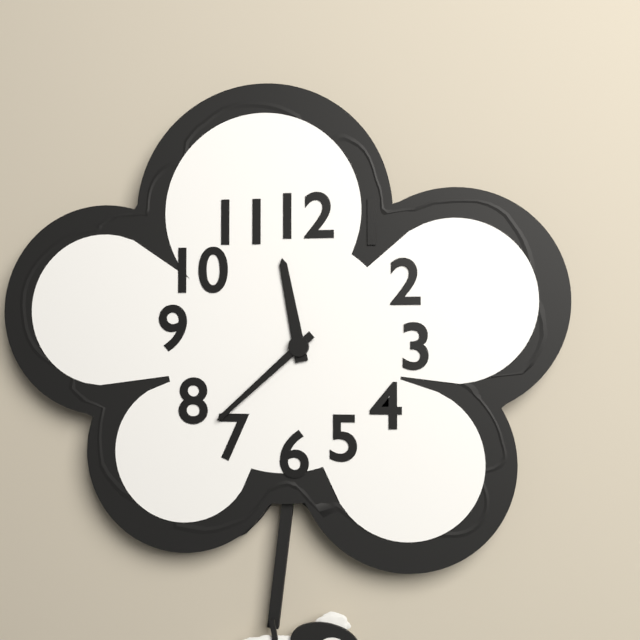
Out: h=11 m=38
